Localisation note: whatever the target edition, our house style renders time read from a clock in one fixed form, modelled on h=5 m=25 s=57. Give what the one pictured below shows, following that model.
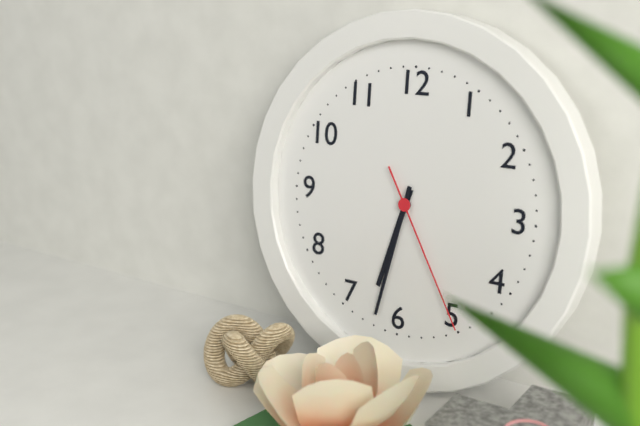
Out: h=6 m=32 s=25
